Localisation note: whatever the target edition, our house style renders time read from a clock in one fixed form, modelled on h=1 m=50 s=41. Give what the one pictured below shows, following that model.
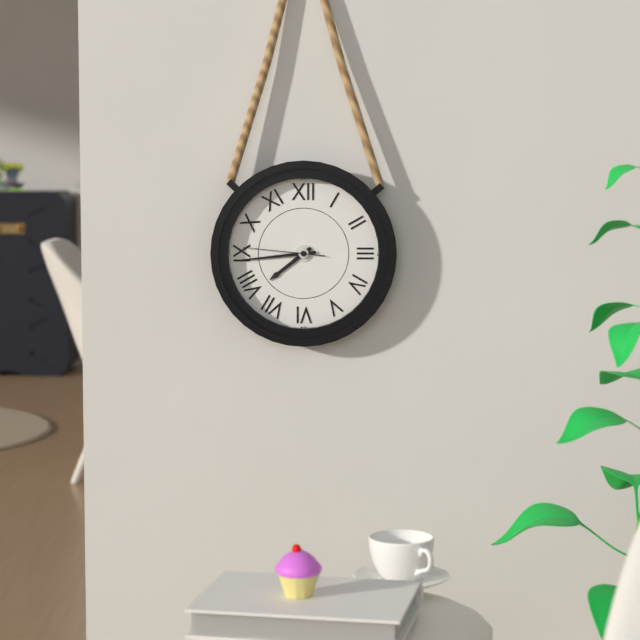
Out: h=7 m=44 s=46
